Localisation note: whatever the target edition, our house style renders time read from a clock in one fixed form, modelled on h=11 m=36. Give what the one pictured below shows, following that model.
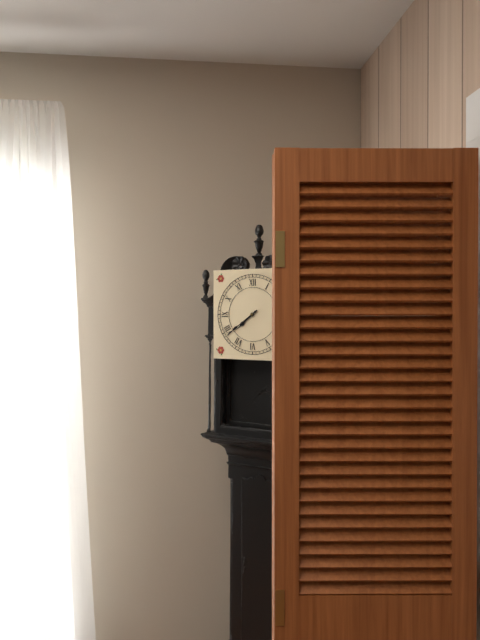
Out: h=7 m=39
